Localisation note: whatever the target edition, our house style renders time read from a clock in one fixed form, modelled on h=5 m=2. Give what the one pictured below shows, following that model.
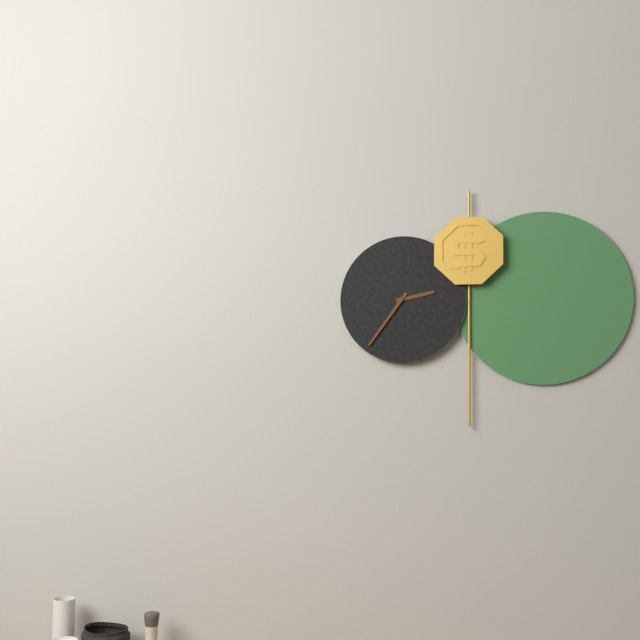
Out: h=2 m=36
